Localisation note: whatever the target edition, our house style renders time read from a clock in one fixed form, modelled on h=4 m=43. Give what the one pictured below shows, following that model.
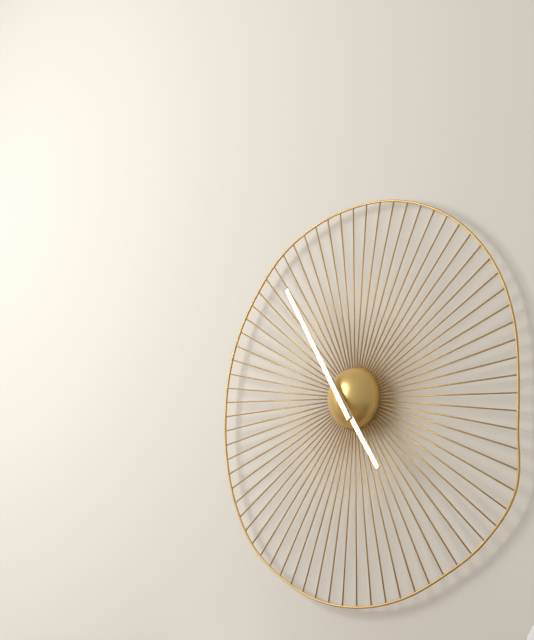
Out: h=4 m=55
